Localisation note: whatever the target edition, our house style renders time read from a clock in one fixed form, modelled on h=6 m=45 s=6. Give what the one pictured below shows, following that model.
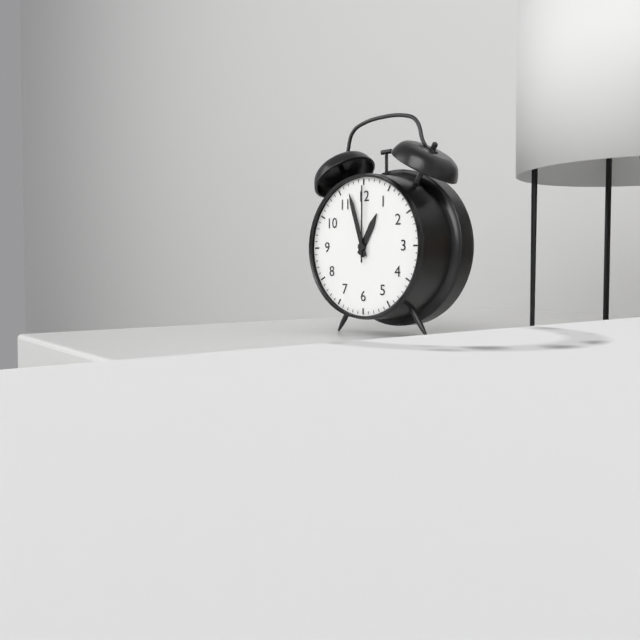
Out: h=12 m=57 s=0
